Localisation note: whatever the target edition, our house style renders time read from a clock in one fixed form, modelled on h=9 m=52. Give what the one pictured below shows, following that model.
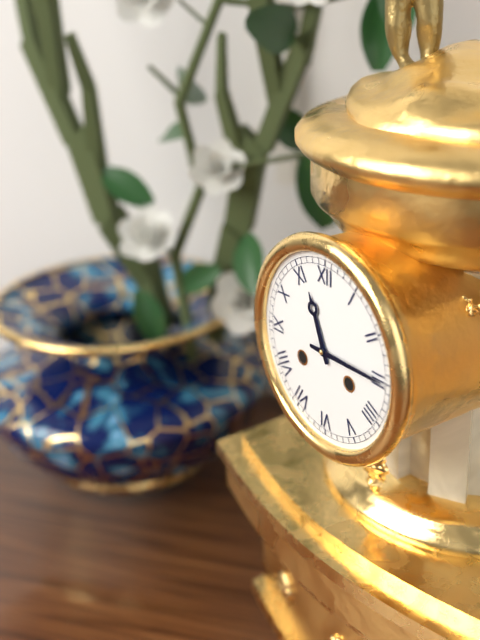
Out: h=11 m=15
